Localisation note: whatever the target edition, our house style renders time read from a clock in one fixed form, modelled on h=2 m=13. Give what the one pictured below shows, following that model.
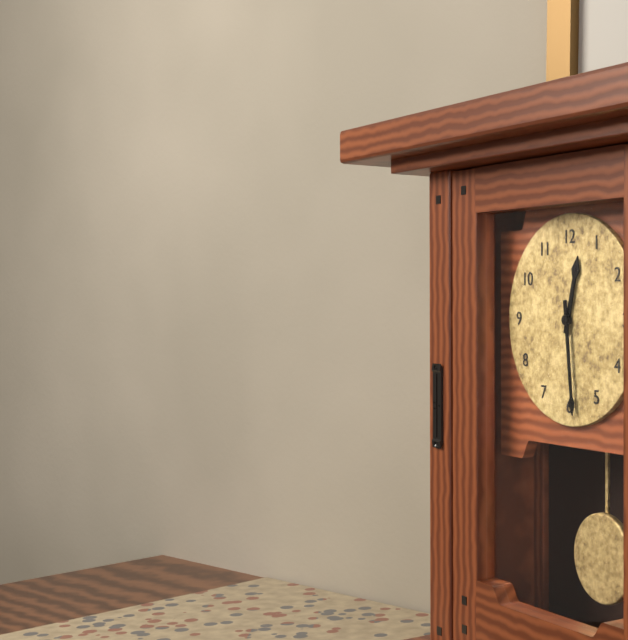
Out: h=12 m=29
